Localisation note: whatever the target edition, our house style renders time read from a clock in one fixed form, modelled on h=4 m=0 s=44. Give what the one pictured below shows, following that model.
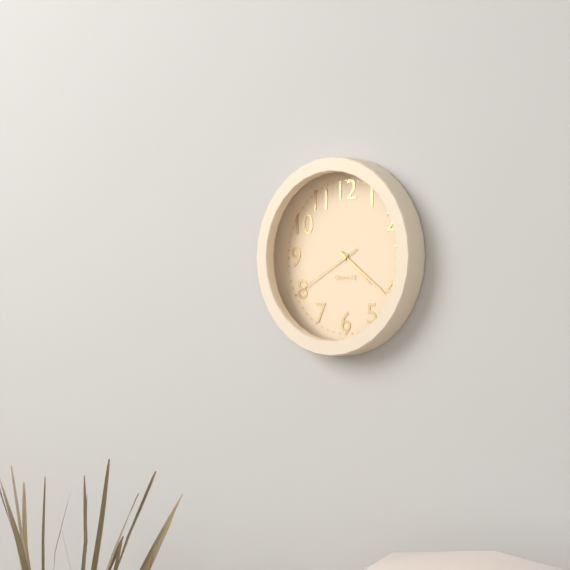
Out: h=4 m=21 s=40
